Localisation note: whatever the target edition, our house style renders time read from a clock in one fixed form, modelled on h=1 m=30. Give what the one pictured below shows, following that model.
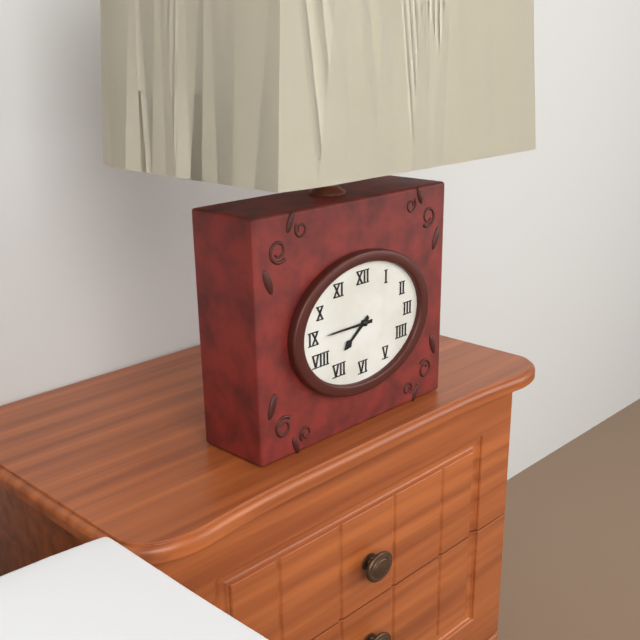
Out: h=7 m=45
